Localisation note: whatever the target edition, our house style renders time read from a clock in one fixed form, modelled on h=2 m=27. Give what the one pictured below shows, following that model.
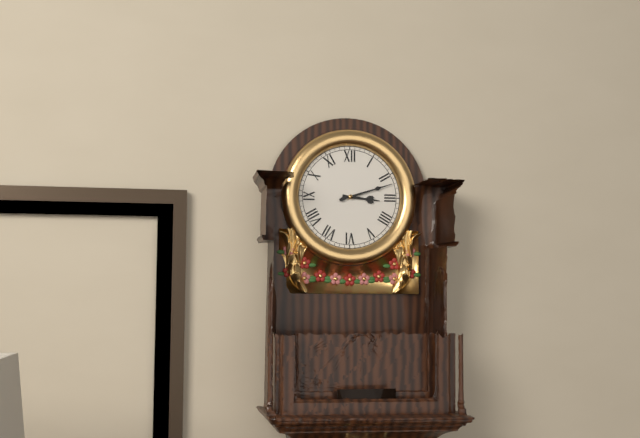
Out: h=3 m=12
